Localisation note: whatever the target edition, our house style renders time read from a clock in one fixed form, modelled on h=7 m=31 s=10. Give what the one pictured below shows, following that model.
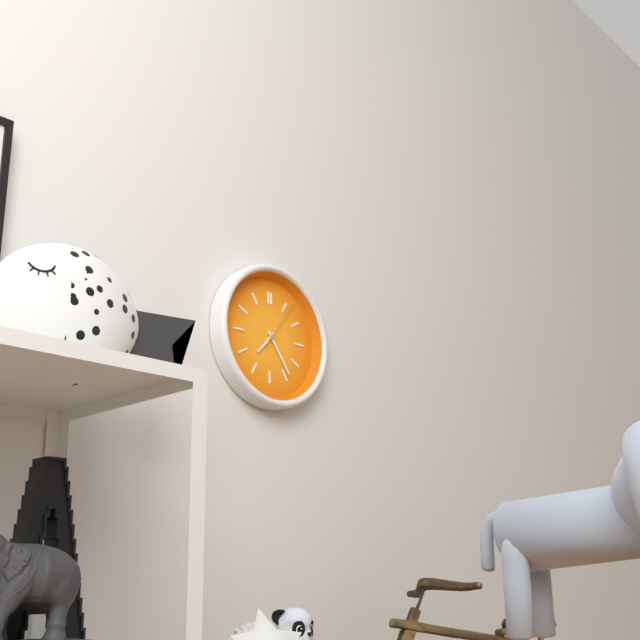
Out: h=7 m=24 s=6
